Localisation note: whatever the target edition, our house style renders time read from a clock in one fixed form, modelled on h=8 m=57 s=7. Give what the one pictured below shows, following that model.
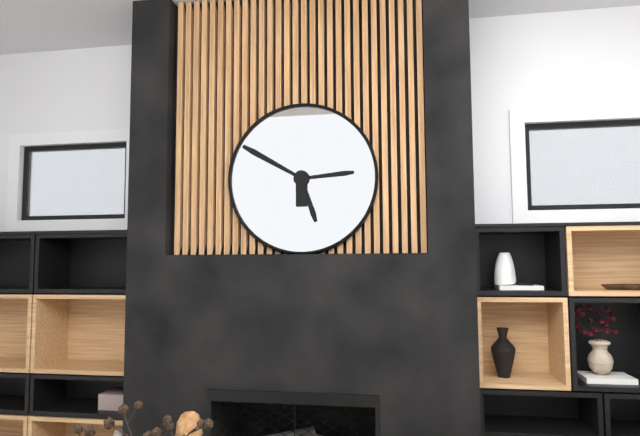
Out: h=2 m=50 s=27
